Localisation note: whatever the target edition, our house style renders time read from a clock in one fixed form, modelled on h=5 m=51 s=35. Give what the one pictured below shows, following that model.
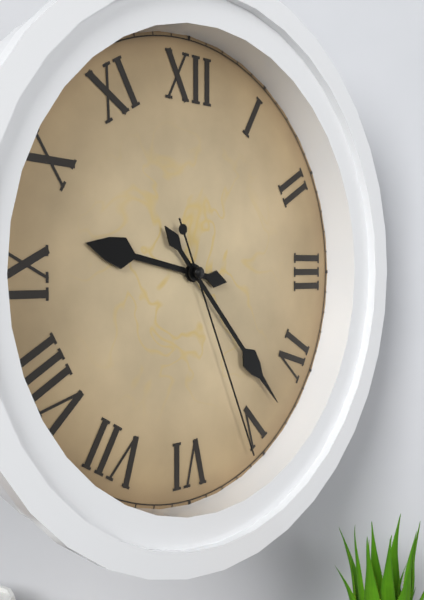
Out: h=9 m=23 s=26
